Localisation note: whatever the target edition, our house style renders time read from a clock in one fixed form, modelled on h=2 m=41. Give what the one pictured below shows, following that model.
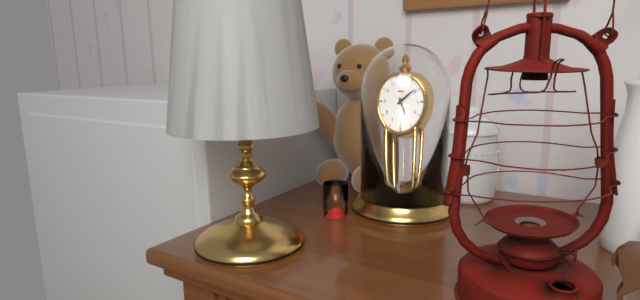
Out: h=5 m=9
